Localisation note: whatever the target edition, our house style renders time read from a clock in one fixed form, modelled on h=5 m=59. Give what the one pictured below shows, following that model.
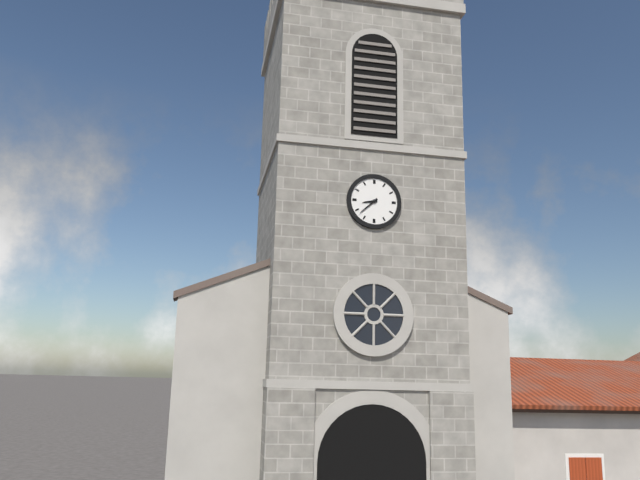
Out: h=8 m=38
